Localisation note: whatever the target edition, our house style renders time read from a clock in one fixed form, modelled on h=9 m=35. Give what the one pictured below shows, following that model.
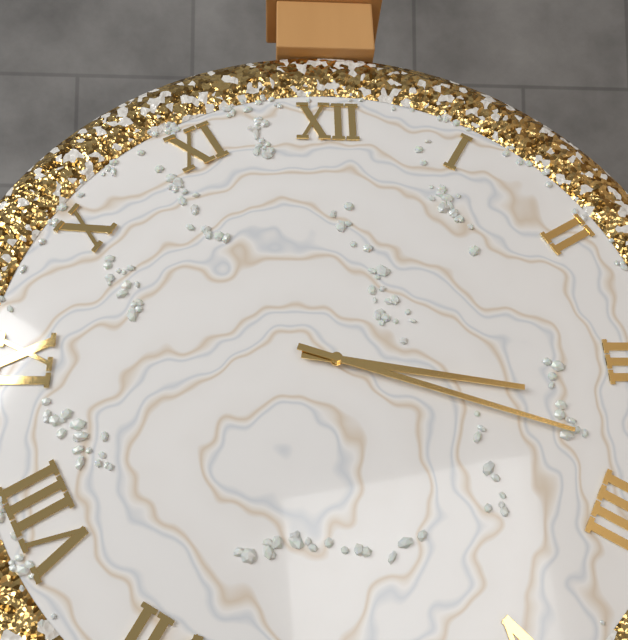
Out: h=3 m=18
